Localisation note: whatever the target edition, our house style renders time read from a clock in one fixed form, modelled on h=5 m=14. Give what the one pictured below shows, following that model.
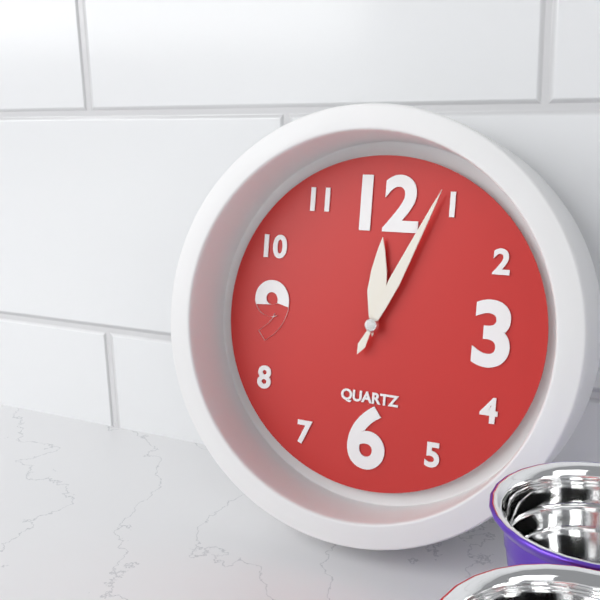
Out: h=12 m=4
